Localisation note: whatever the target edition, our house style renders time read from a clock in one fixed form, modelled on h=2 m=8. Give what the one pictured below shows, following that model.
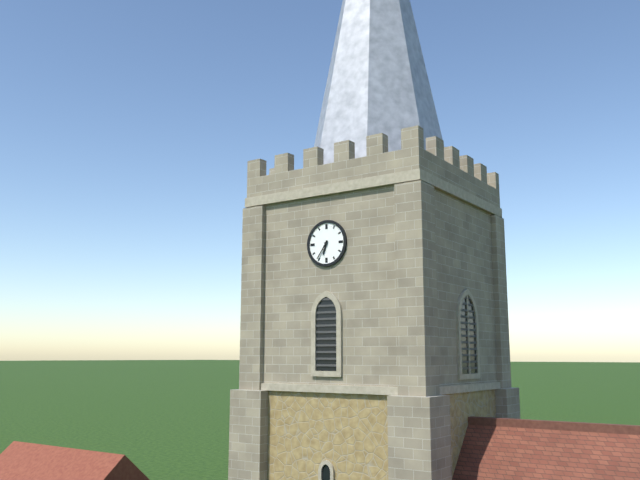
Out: h=6 m=36
